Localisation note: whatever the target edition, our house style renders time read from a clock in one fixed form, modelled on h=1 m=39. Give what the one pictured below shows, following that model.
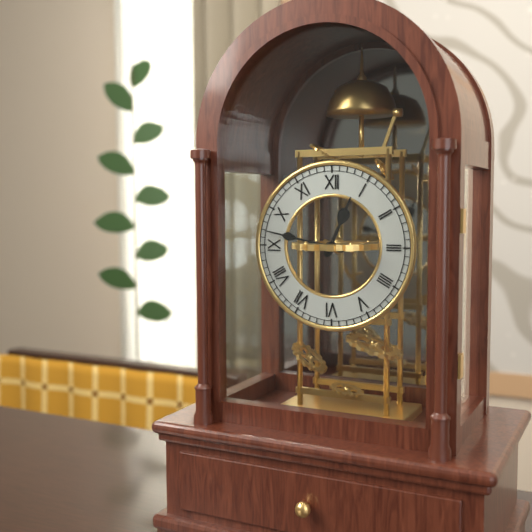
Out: h=12 m=47
